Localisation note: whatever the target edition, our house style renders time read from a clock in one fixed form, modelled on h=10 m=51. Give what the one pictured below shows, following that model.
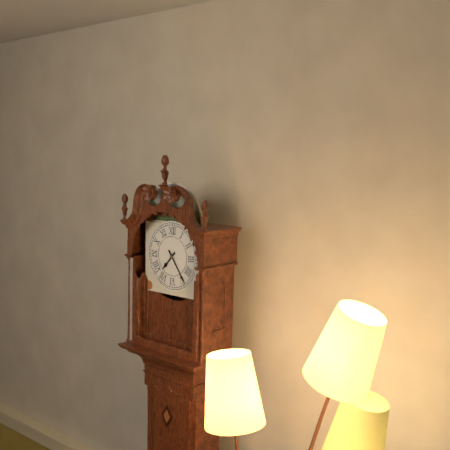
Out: h=7 m=24
